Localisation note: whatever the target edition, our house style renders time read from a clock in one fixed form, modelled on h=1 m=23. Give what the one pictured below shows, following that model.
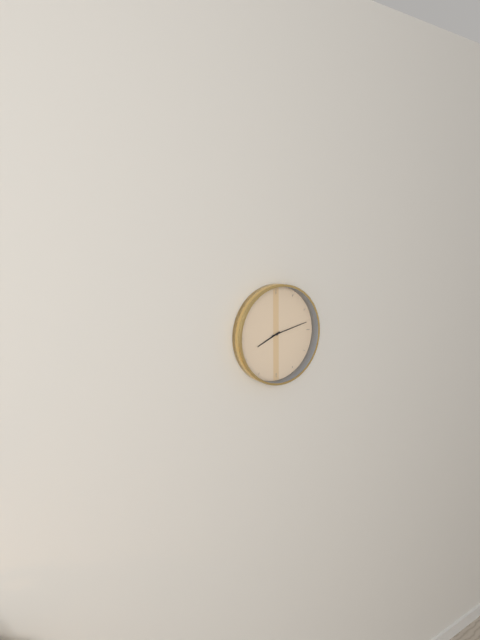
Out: h=8 m=13
